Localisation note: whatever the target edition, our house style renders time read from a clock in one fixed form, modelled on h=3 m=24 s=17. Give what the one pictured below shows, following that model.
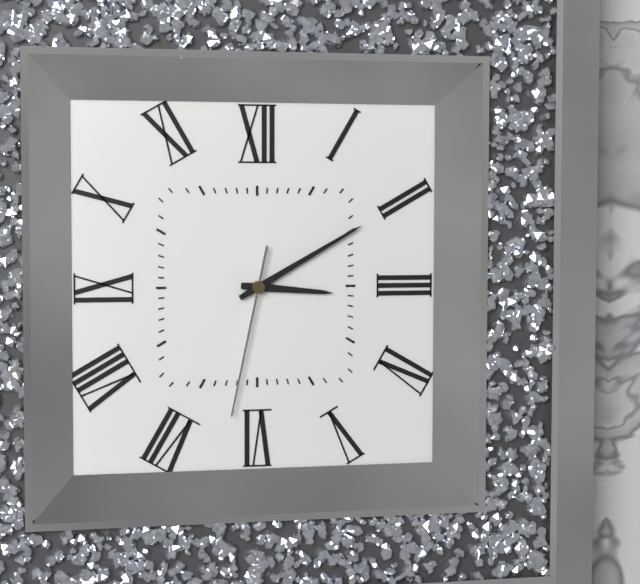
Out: h=3 m=10 s=32
